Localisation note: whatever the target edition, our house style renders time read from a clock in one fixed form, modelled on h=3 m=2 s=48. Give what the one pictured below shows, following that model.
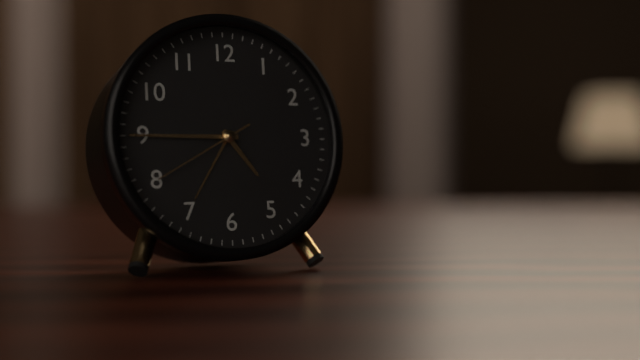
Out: h=4 m=45 s=40
